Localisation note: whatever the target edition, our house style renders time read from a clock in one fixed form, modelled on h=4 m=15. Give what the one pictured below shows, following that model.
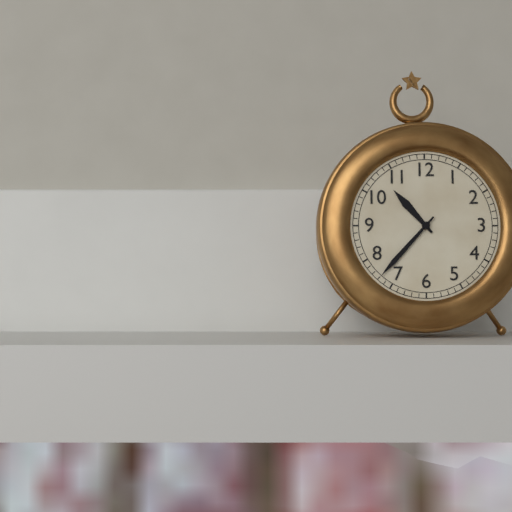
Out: h=10 m=37
